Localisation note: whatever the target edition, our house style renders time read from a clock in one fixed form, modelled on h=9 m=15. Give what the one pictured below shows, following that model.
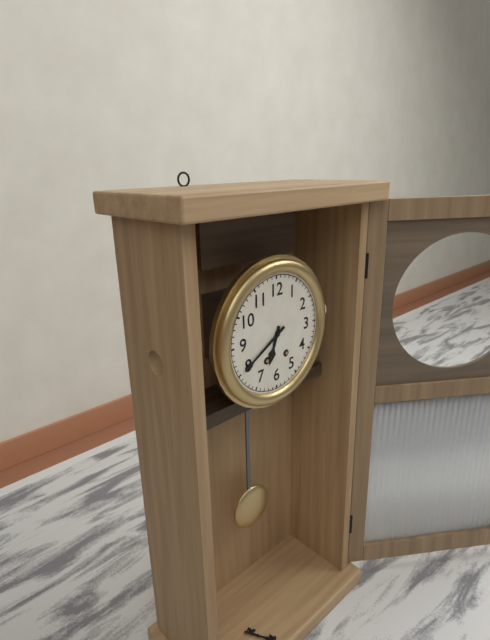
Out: h=6 m=40
